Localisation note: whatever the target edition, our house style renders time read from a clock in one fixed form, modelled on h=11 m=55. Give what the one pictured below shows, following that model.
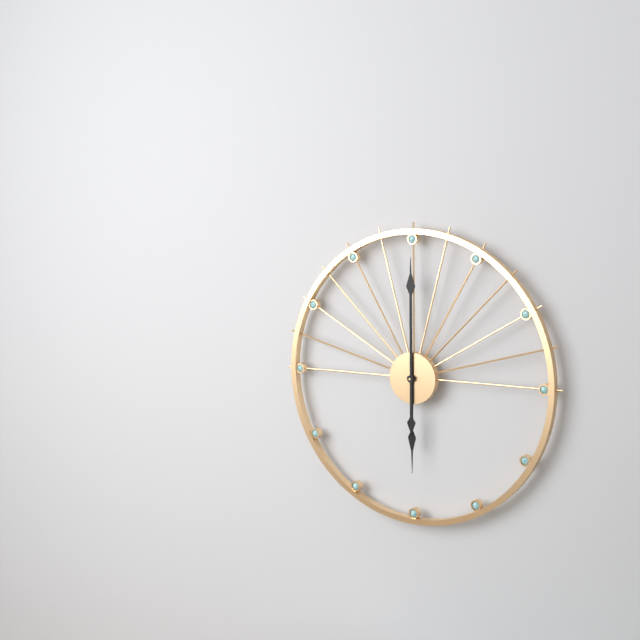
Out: h=6 m=0
